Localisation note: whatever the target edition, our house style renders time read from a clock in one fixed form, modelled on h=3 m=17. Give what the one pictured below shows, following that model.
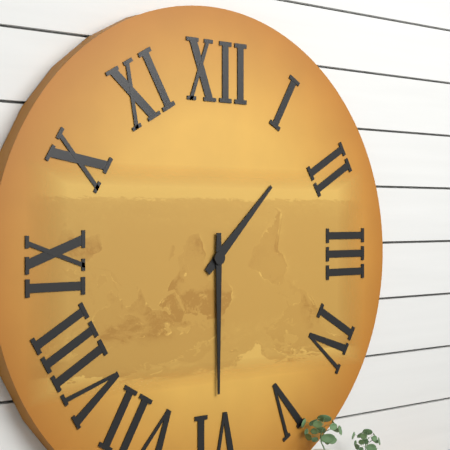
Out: h=1 m=30
